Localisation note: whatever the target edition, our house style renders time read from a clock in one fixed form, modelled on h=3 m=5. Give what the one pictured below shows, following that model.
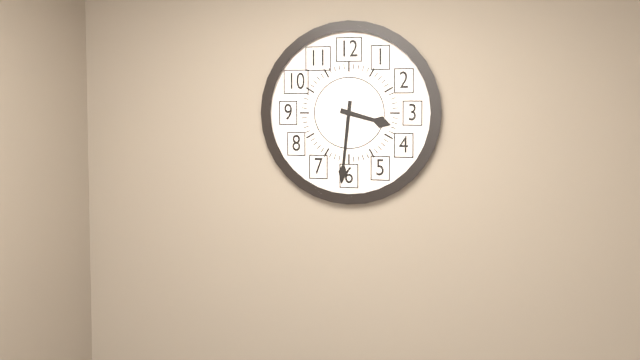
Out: h=3 m=31
